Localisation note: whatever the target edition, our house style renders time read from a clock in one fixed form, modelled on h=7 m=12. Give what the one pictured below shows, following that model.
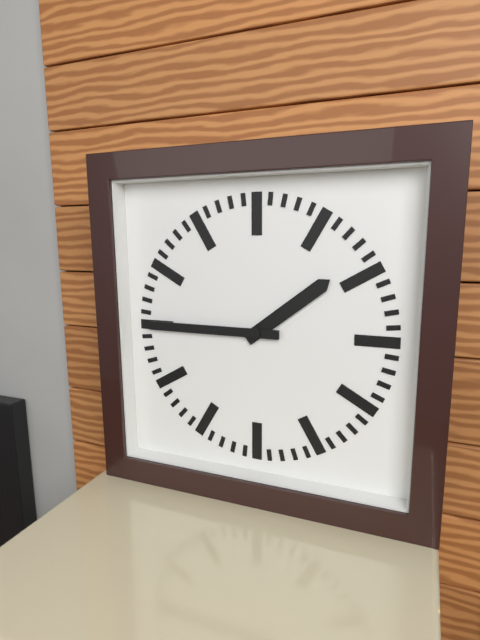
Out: h=1 m=45
